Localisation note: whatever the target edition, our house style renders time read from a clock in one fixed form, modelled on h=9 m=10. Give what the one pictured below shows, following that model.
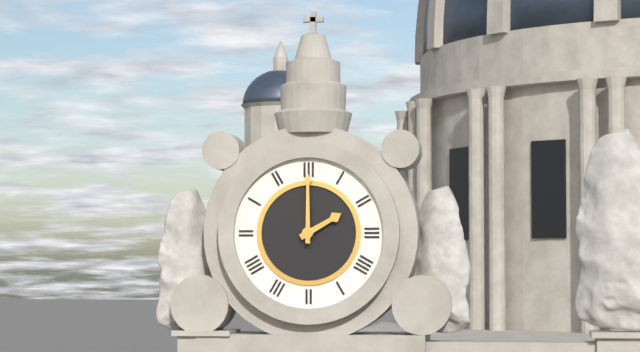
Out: h=2 m=0
